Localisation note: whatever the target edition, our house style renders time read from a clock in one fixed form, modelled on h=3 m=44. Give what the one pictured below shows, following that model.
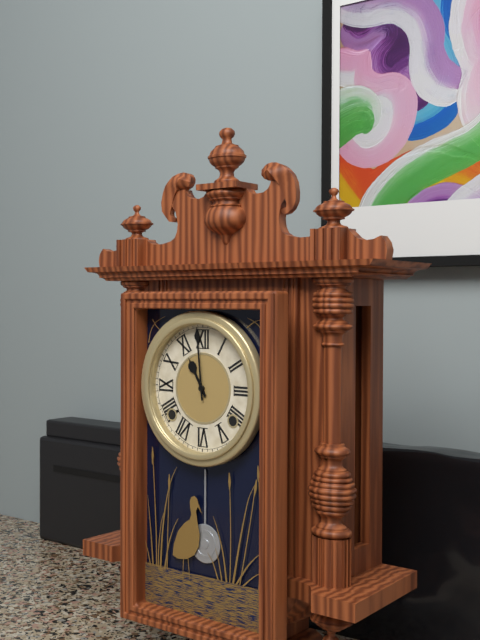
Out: h=10 m=59
